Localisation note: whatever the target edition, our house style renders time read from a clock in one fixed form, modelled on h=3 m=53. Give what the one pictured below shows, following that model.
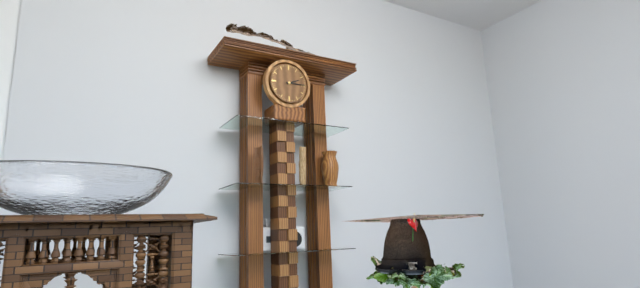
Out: h=2 m=15
